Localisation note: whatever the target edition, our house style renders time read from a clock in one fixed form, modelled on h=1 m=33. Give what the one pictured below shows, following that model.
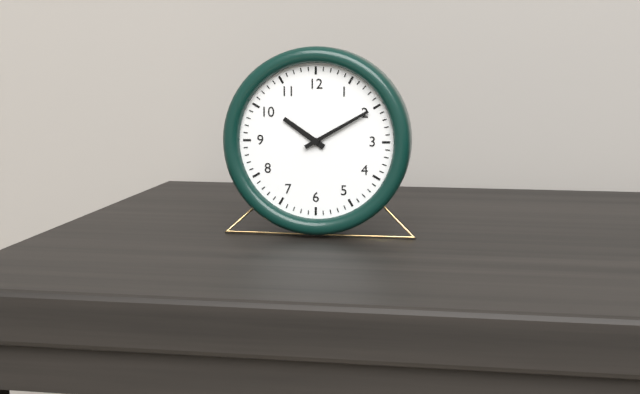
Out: h=10 m=10
